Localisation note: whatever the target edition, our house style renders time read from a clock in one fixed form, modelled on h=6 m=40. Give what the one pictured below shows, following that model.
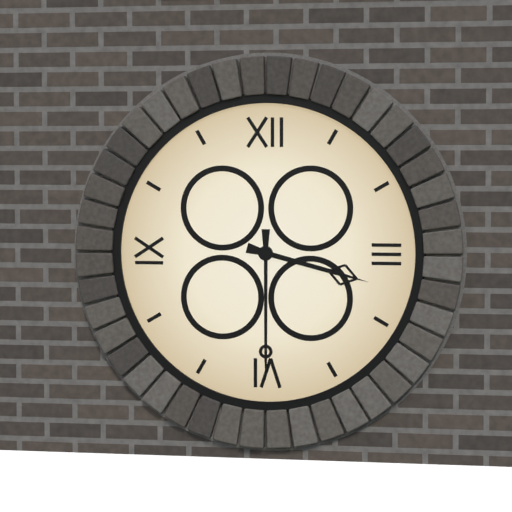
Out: h=3 m=30
